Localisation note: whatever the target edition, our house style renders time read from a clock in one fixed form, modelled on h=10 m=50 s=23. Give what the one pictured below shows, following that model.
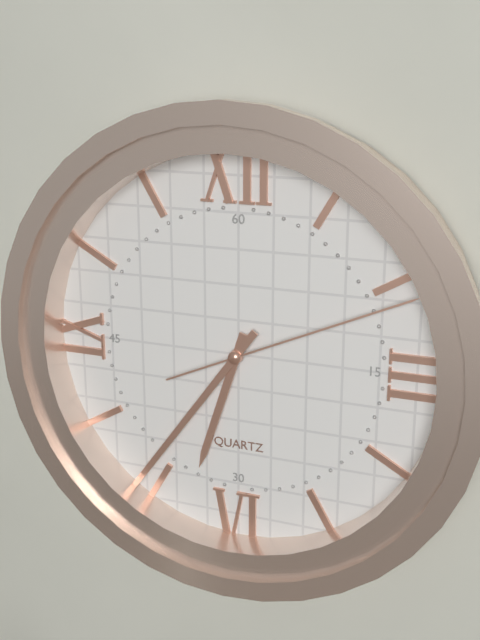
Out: h=6 m=36 s=11
